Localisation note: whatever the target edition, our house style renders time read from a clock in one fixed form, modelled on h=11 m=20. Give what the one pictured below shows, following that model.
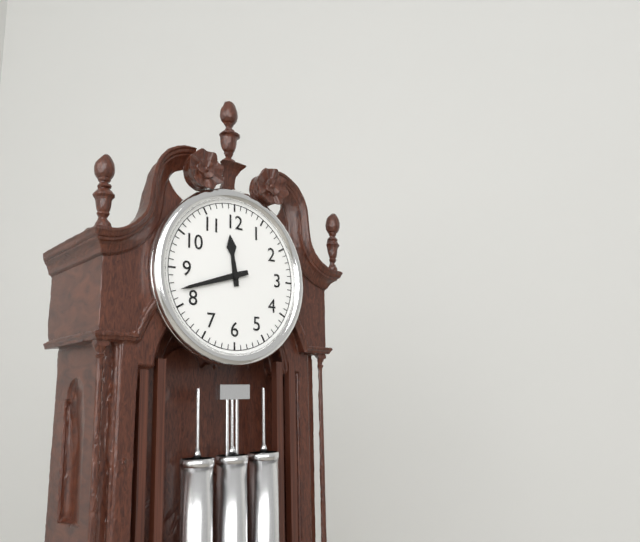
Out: h=11 m=42
